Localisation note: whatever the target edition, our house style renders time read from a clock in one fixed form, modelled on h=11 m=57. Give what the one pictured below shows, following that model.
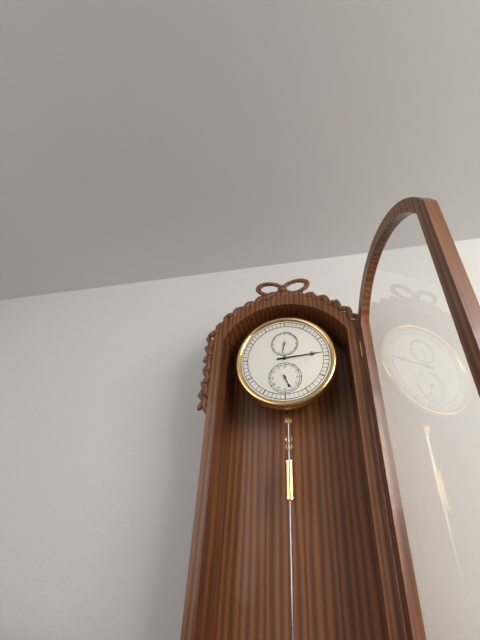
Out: h=5 m=14
